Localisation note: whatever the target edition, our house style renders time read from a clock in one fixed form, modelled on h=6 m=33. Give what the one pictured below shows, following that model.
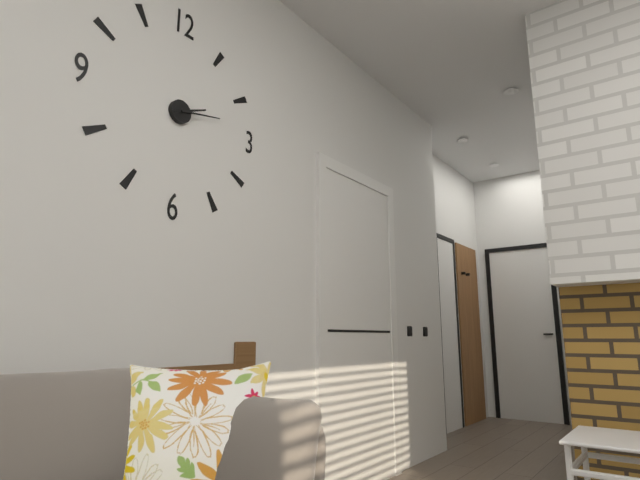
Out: h=2 m=13
